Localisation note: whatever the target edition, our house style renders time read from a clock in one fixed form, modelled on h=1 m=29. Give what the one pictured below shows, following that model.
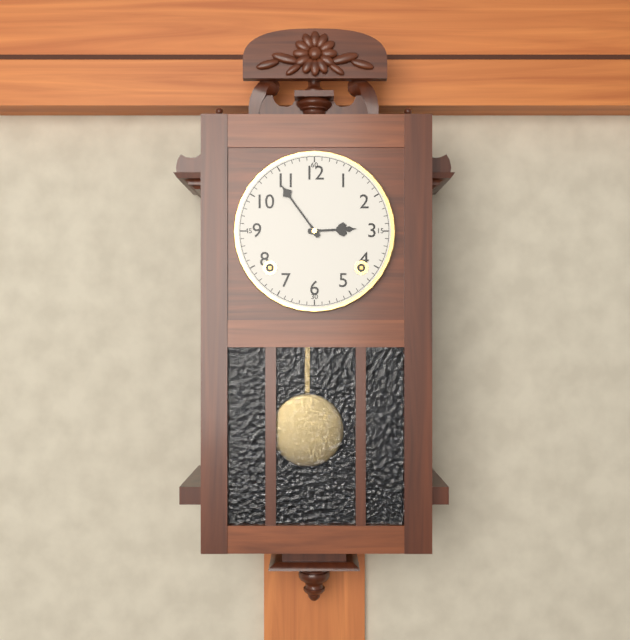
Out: h=2 m=54
